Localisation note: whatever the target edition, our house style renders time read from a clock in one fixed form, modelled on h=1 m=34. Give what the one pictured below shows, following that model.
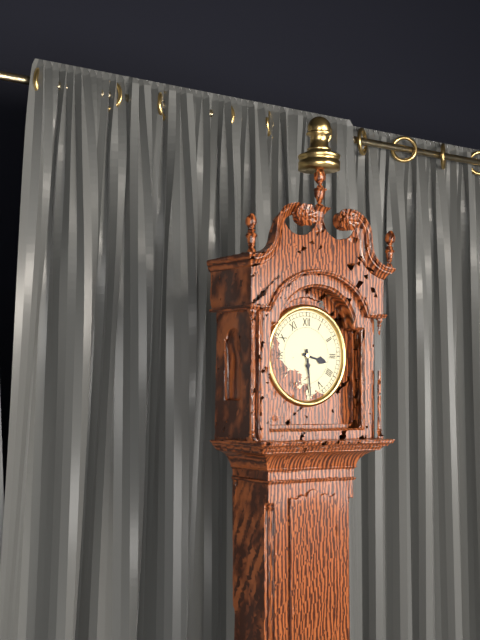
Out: h=3 m=29
